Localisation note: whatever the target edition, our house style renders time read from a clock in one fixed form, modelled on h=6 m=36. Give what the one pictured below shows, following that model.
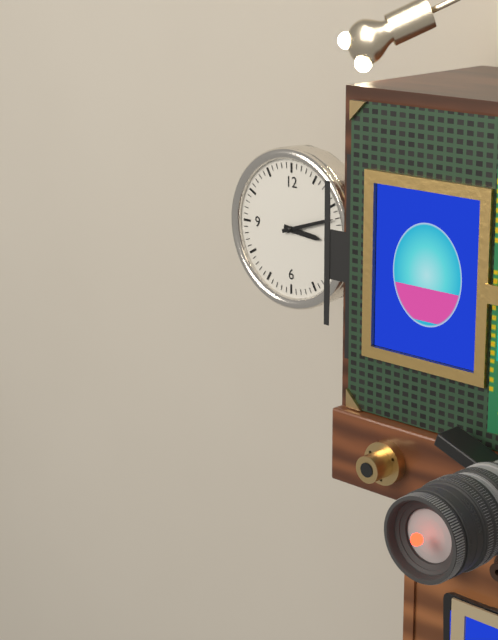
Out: h=3 m=12
